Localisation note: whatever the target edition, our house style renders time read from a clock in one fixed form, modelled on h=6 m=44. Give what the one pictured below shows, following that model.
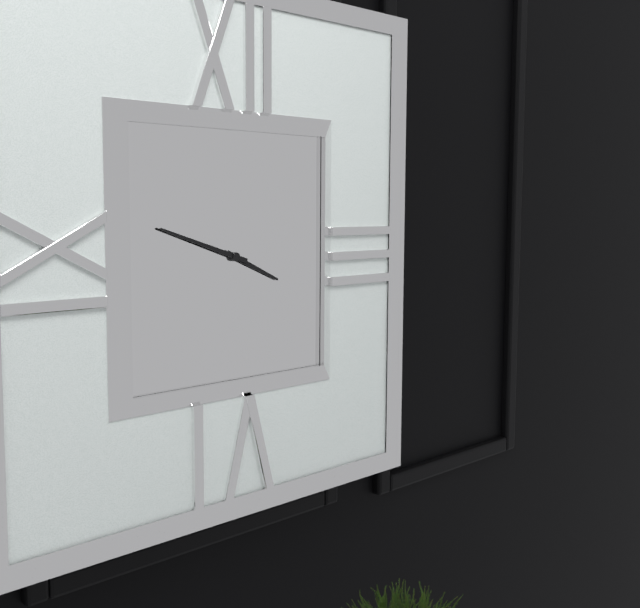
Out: h=3 m=48
